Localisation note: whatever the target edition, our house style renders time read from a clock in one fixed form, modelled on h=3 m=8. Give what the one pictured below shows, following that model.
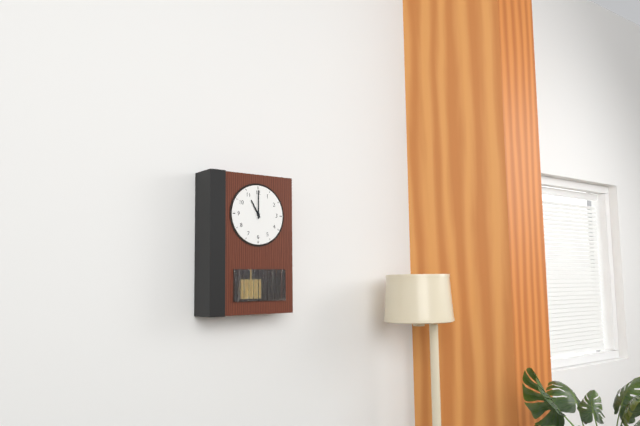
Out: h=11 m=0
